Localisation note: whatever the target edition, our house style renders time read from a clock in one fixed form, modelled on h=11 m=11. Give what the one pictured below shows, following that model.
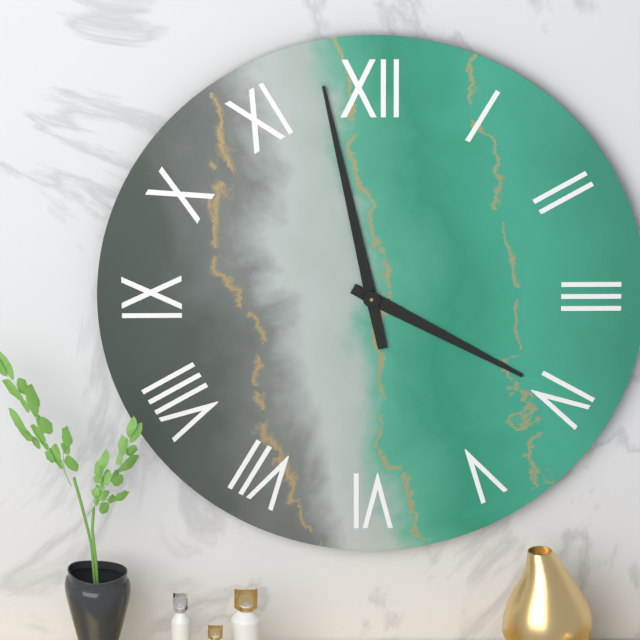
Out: h=3 m=58
